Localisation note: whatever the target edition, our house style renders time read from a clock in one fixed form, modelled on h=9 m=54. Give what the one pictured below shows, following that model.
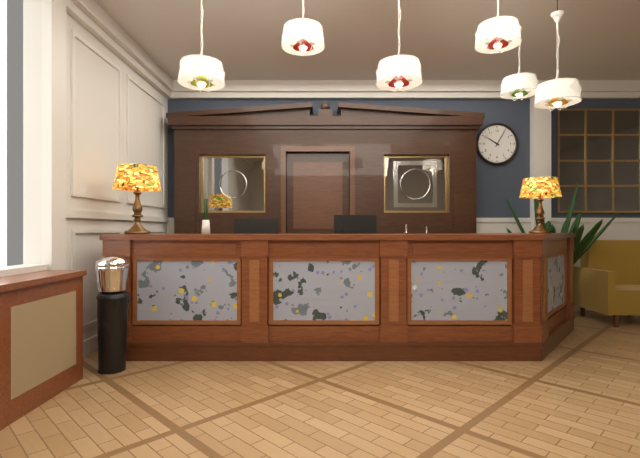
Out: h=10 m=5
